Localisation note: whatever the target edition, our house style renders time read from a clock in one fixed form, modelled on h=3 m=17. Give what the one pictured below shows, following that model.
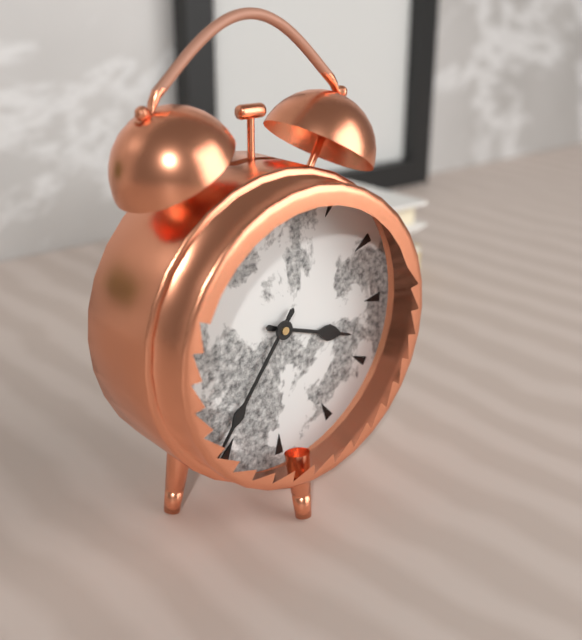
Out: h=3 m=36
